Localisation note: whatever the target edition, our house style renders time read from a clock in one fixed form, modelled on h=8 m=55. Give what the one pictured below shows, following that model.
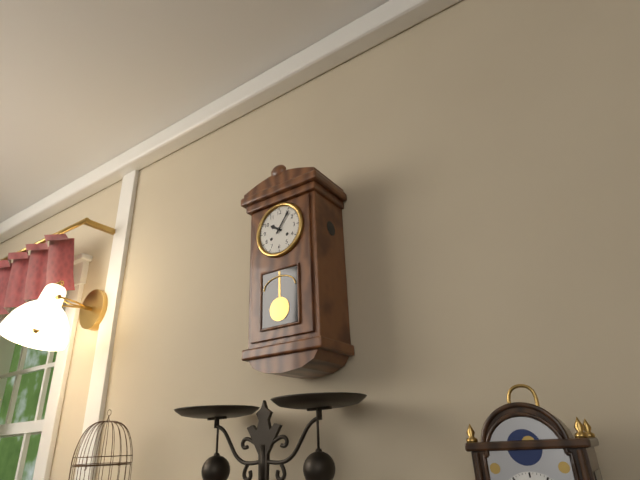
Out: h=10 m=6
